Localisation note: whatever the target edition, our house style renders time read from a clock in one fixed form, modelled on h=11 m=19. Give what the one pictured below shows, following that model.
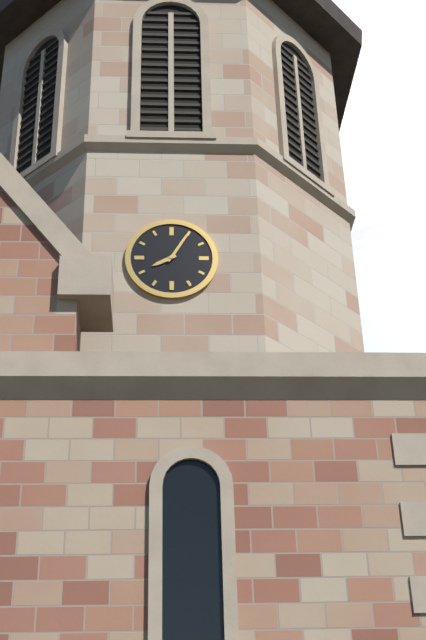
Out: h=8 m=5
